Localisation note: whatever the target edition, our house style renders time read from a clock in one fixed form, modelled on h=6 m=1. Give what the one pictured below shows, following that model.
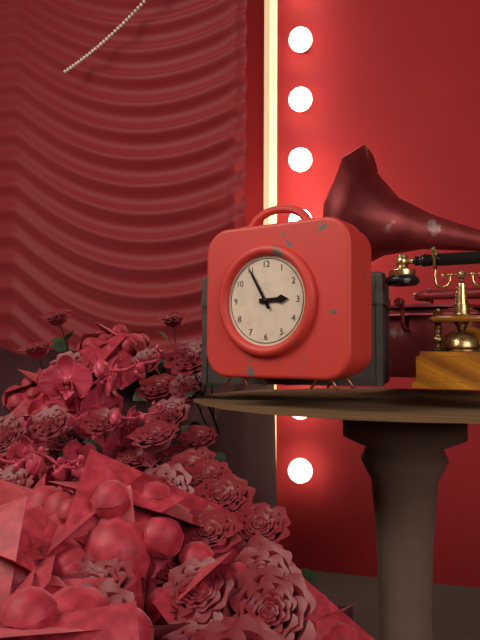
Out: h=2 m=55
